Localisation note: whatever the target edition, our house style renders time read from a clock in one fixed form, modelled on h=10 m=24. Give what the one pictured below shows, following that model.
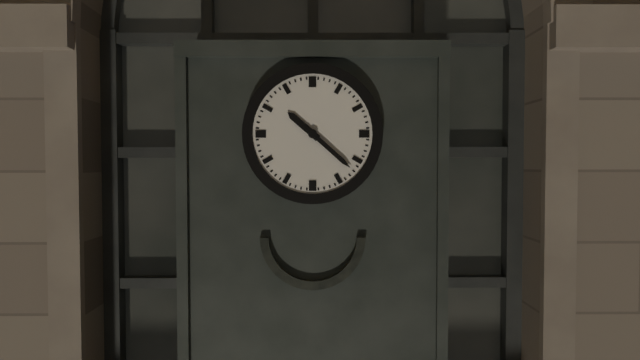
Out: h=10 m=22
